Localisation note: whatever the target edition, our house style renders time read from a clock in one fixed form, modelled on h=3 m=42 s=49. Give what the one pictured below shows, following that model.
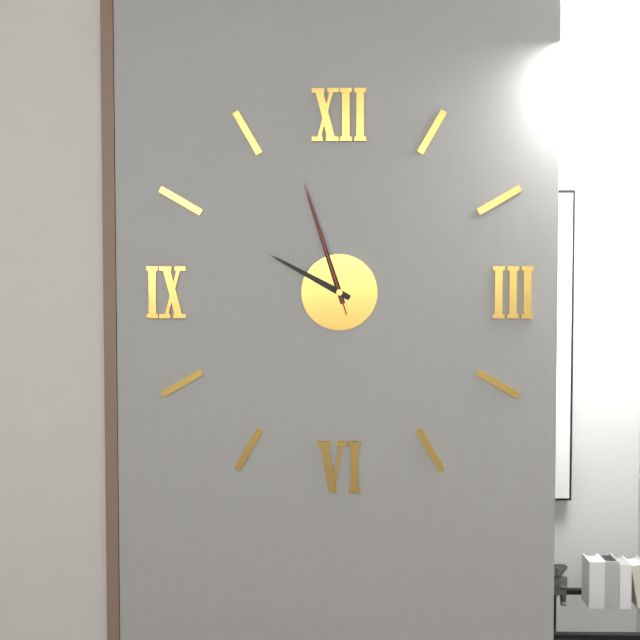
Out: h=9 m=57 s=57
